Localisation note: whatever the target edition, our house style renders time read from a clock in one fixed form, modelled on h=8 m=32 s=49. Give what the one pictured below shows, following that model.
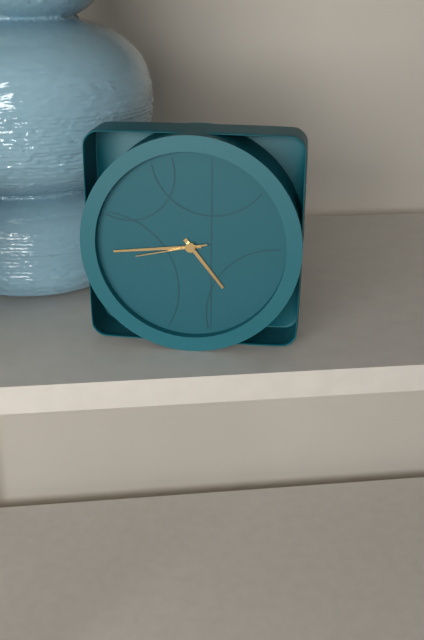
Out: h=4 m=44 s=43
